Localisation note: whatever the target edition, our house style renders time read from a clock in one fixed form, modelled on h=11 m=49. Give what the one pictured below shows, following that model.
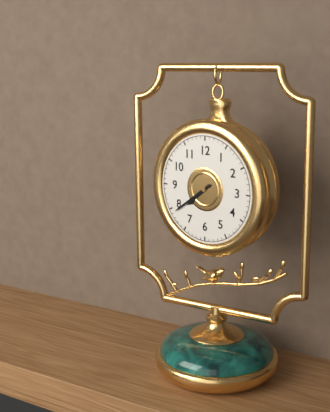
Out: h=7 m=39
